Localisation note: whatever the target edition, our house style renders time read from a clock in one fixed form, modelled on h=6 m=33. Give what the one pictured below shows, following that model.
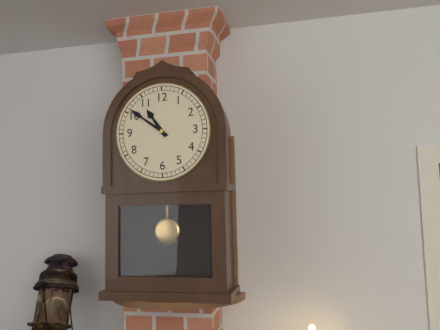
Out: h=10 m=51
